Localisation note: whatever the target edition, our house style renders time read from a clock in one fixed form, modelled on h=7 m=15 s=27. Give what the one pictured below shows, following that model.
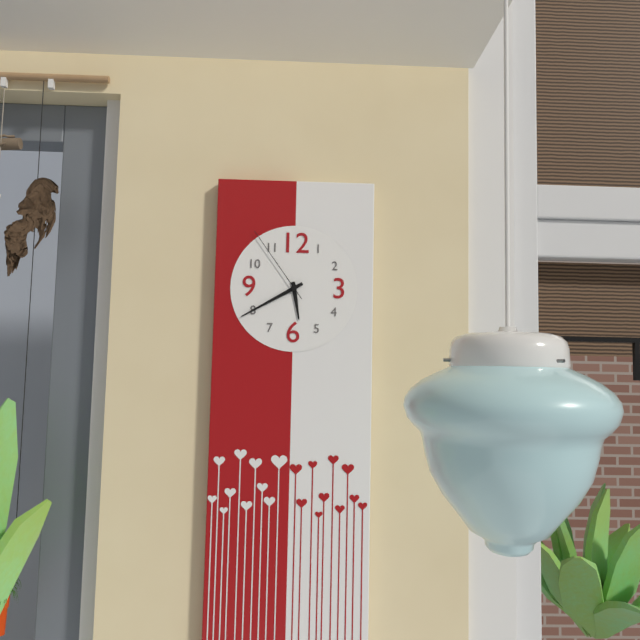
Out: h=5 m=40 s=54
